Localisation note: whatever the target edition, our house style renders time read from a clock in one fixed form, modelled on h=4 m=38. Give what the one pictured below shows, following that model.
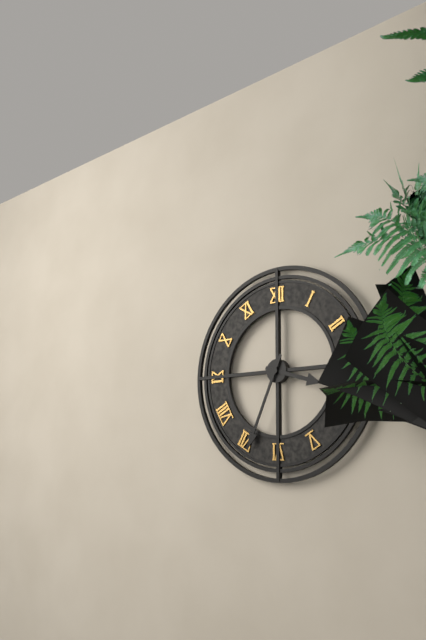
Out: h=3 m=34
